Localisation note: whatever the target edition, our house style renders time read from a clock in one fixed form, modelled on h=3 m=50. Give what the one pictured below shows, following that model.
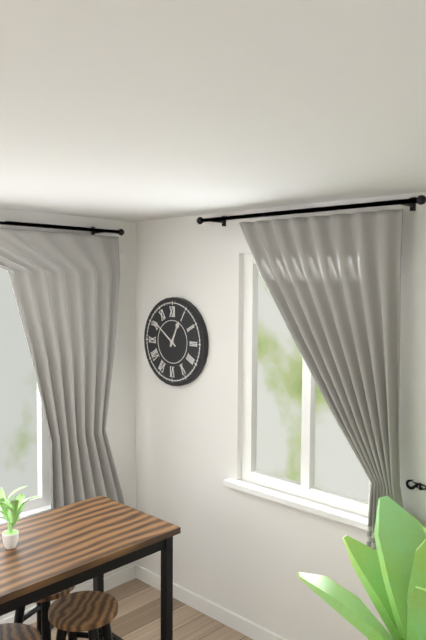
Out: h=12 m=51
